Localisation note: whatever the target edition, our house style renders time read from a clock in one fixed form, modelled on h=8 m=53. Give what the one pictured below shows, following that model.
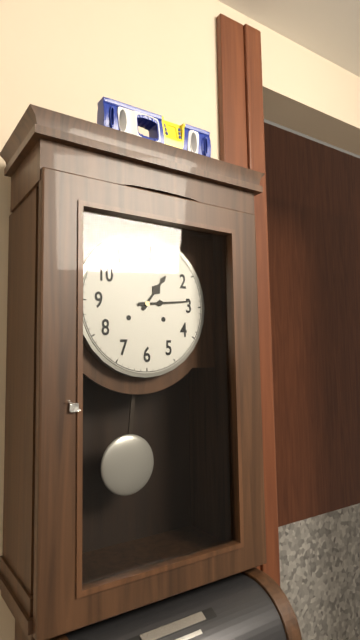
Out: h=1 m=14
